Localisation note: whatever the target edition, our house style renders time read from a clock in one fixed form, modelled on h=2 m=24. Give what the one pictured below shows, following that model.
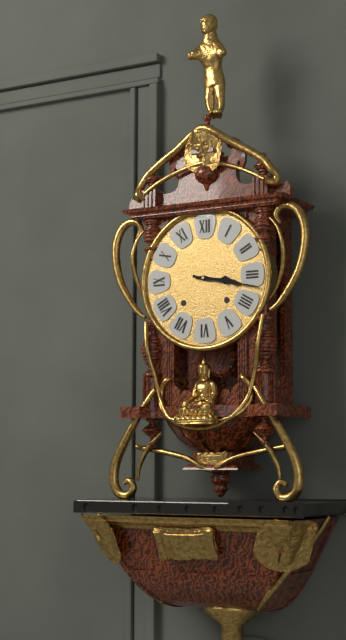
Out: h=3 m=17
